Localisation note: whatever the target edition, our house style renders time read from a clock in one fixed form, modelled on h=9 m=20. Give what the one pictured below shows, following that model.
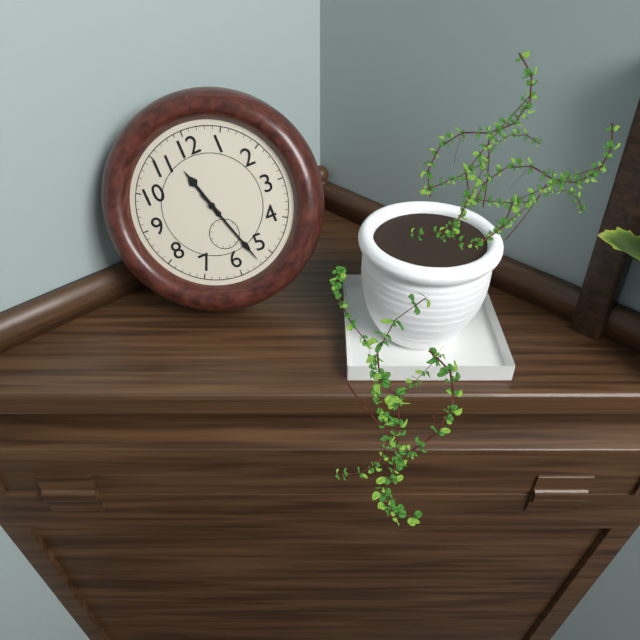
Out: h=11 m=27
